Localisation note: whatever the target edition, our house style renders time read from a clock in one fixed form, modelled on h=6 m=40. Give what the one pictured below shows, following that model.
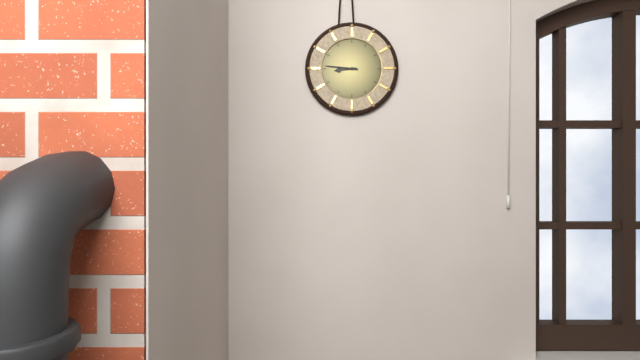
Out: h=8 m=46
